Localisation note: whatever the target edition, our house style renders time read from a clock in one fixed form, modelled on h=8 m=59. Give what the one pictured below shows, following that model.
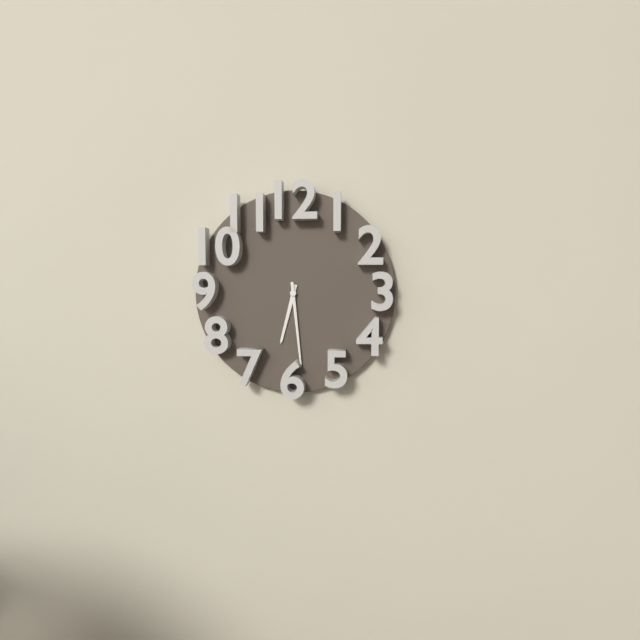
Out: h=6 m=29
